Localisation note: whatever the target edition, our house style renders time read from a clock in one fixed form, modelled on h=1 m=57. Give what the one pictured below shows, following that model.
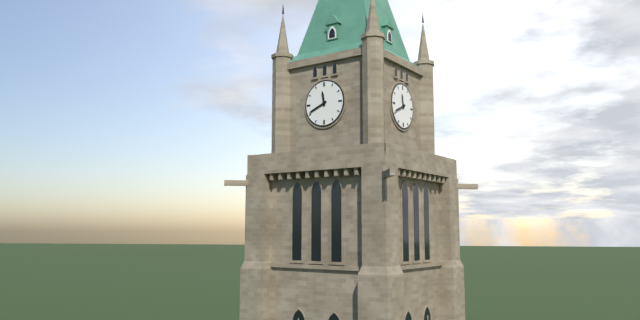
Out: h=11 m=41
